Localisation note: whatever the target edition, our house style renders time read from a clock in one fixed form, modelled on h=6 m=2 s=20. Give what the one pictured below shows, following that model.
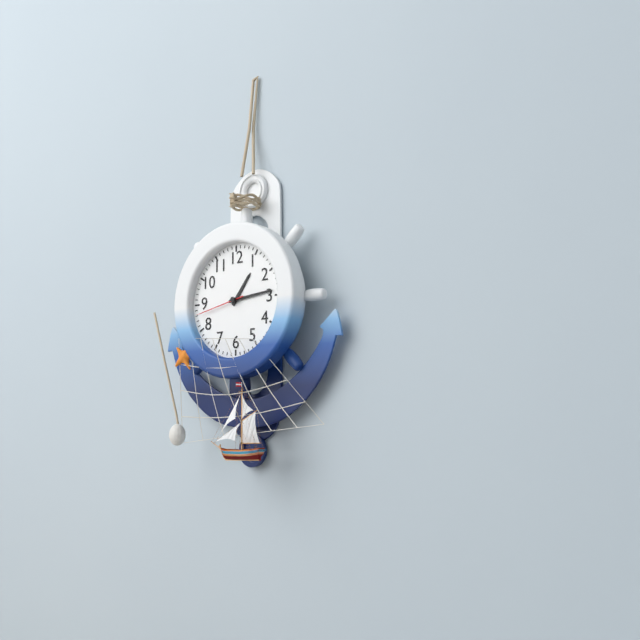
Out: h=1 m=14 s=43
